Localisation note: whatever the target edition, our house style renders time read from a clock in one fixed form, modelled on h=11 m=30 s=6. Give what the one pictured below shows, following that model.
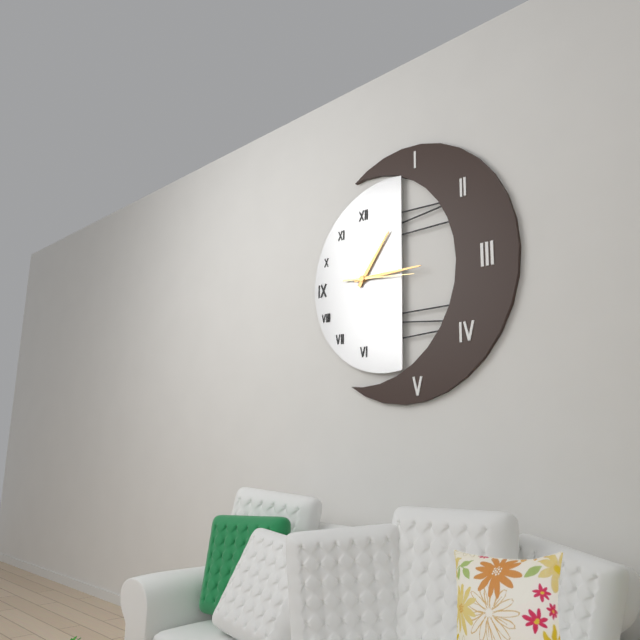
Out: h=1 m=15 s=16
